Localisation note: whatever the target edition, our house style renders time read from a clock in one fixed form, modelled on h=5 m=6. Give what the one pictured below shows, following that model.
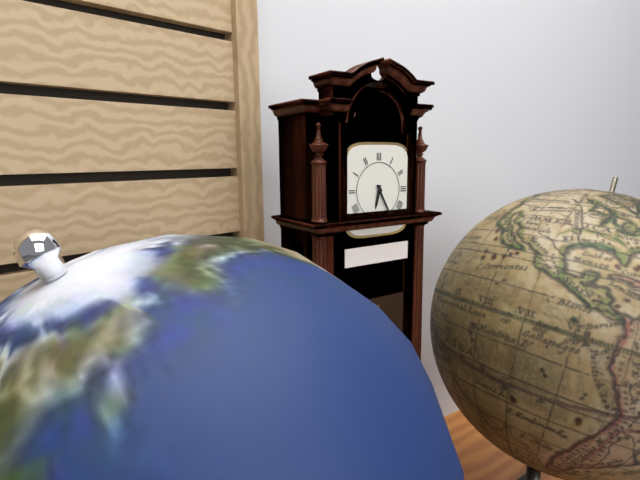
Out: h=6 m=25
